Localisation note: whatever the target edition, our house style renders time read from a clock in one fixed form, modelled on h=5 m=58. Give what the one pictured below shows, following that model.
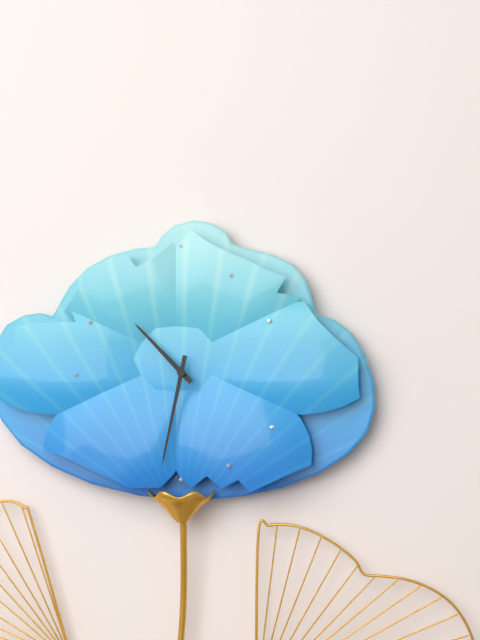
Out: h=10 m=32
